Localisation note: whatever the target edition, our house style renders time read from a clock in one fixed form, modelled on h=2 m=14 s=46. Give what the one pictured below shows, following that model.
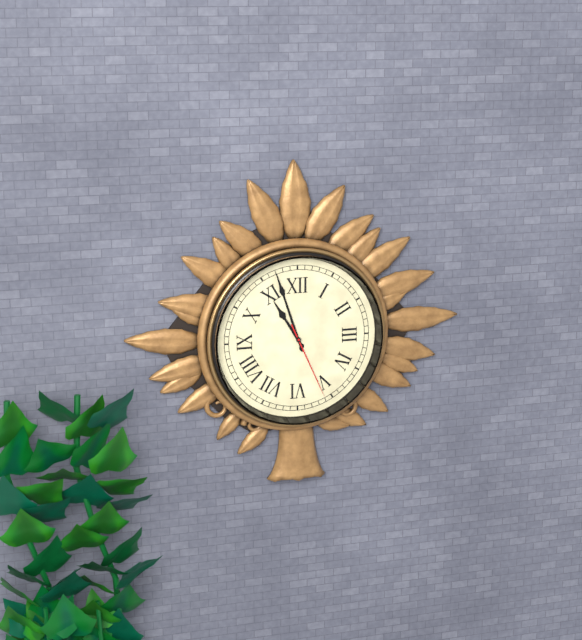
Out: h=10 m=57 s=26
